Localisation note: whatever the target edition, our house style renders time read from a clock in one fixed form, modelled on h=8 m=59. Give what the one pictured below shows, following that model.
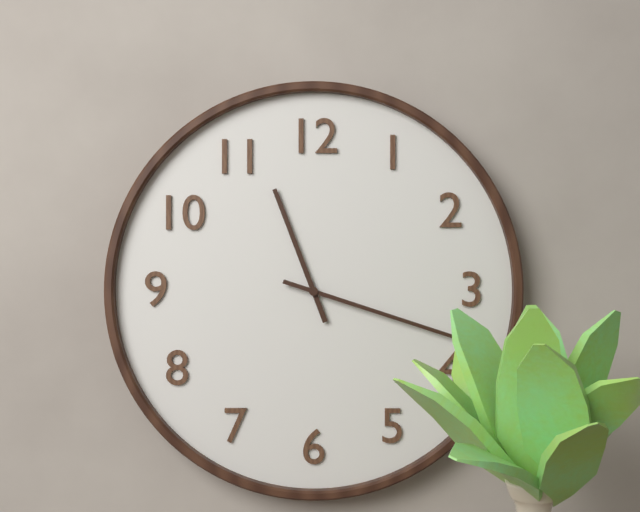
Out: h=11 m=18
